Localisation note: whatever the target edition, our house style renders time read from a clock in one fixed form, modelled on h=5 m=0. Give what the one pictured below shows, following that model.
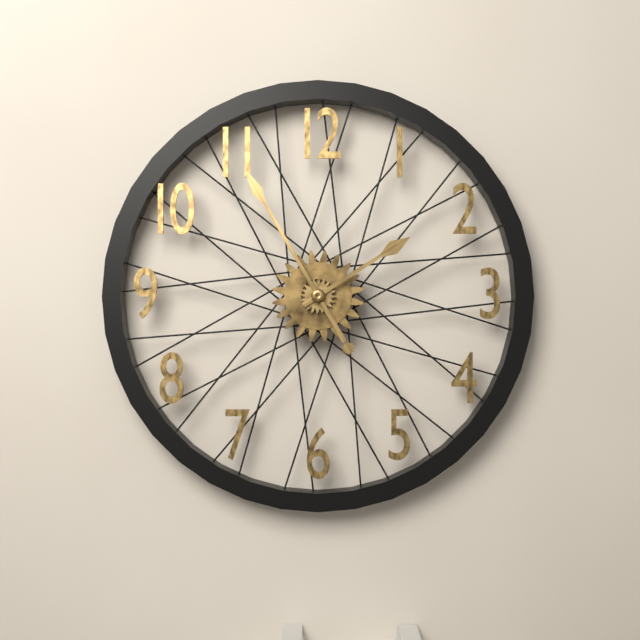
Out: h=1 m=55
